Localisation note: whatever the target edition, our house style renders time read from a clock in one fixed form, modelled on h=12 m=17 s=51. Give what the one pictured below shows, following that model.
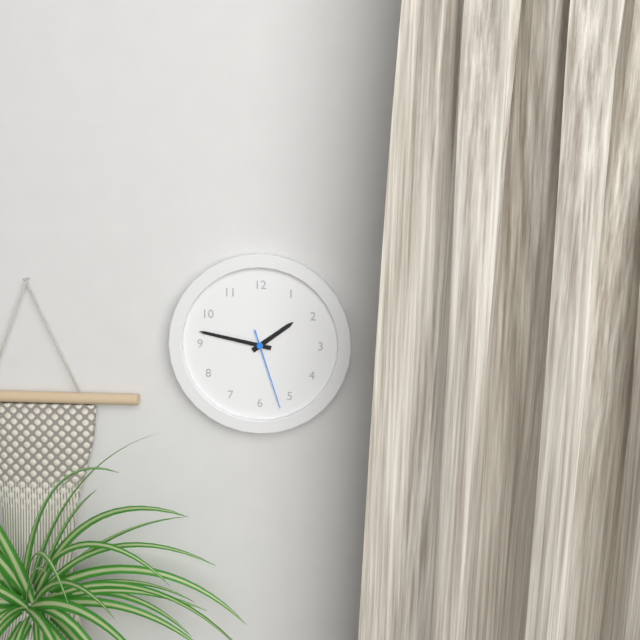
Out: h=1 m=47 s=27
